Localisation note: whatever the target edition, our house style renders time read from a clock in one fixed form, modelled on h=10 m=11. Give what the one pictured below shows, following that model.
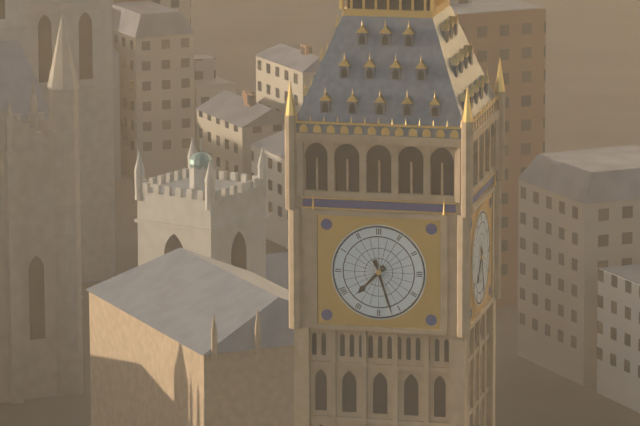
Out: h=7 m=27
